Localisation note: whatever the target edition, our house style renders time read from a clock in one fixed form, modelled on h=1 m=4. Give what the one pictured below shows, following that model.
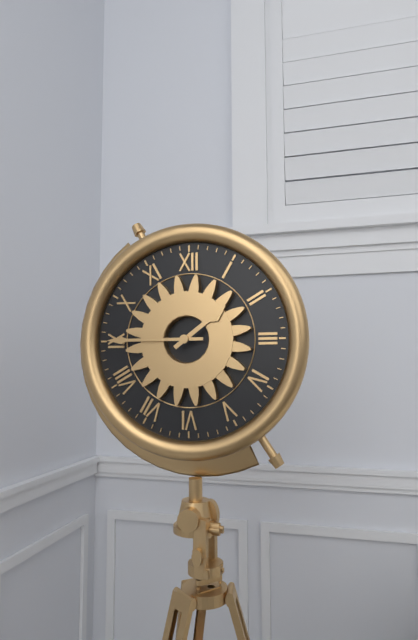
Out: h=1 m=45
